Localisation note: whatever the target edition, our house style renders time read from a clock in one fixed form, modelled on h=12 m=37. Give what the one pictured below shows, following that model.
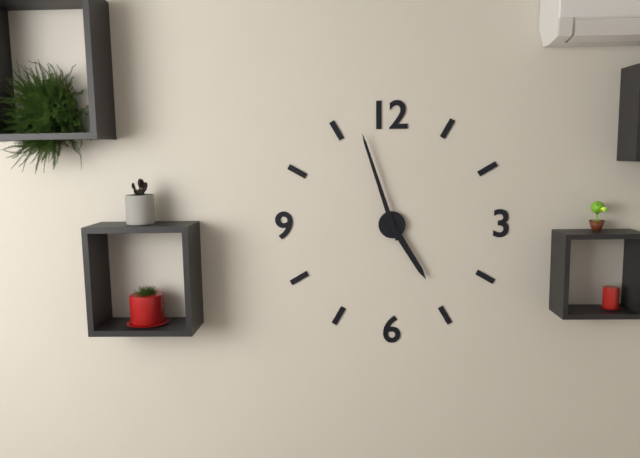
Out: h=4 m=57
